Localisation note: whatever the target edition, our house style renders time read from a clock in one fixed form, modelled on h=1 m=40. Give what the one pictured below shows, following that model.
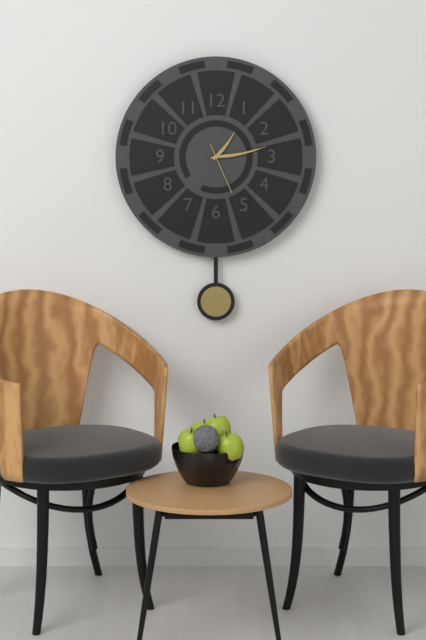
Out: h=1 m=13
